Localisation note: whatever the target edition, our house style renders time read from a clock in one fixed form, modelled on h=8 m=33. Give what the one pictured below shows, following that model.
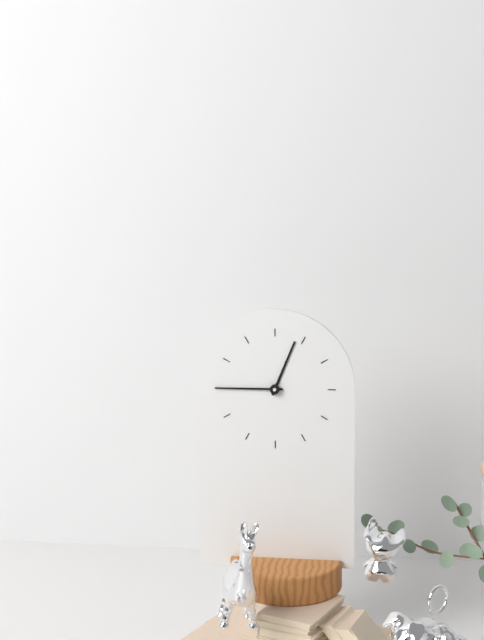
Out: h=12 m=45
